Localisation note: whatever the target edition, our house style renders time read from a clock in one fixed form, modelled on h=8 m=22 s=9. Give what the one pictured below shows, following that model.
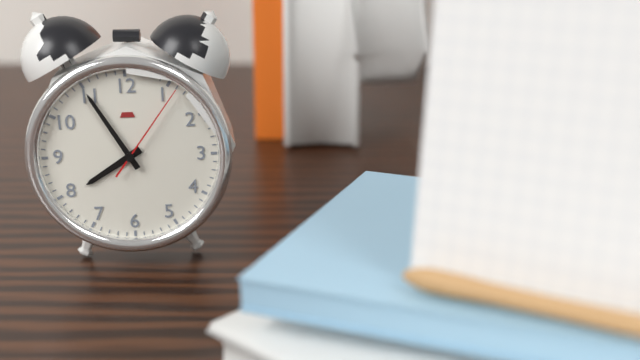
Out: h=7 m=55 s=6
